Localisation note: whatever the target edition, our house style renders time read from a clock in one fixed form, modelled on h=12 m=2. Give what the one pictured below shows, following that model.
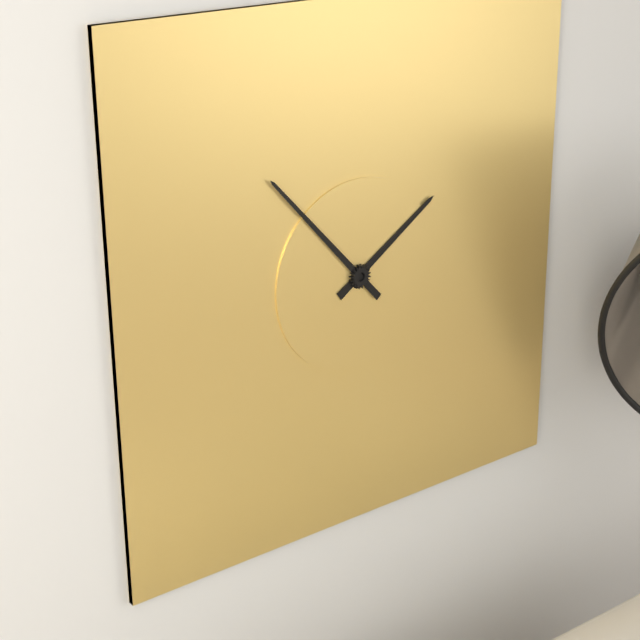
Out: h=1 m=53
